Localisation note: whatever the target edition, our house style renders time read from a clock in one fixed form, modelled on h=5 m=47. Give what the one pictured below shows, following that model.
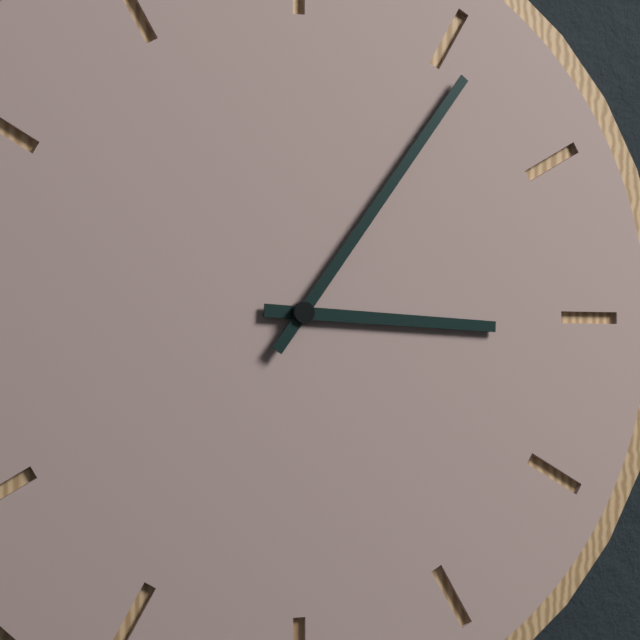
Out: h=3 m=6
